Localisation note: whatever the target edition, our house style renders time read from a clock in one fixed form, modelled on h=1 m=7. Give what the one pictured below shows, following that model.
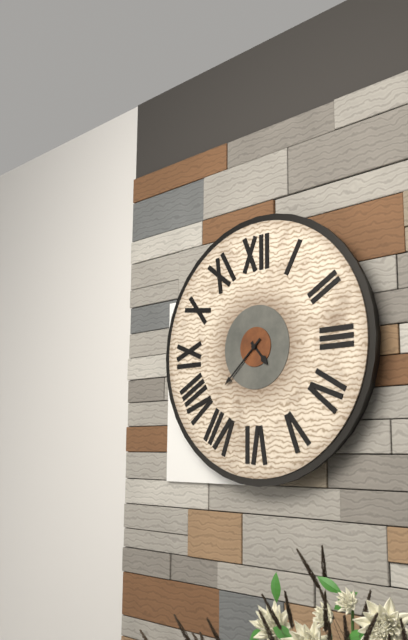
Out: h=4 m=38
